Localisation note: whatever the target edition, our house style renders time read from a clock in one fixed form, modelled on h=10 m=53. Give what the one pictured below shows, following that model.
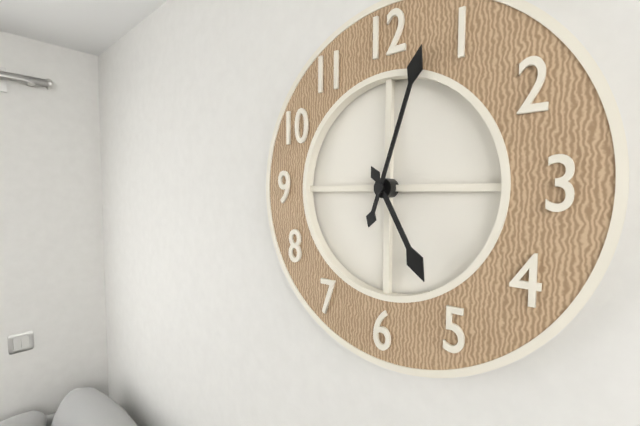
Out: h=5 m=3
